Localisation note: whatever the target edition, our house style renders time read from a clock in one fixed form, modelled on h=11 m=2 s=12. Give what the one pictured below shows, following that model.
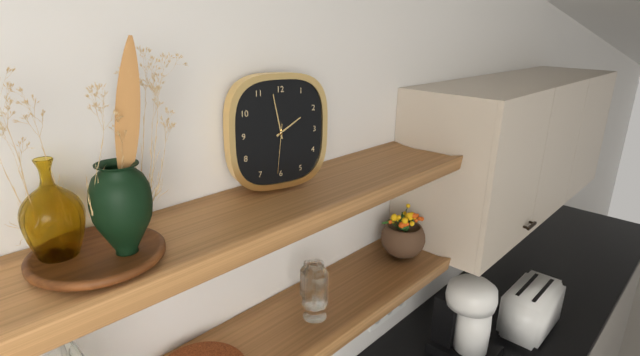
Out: h=1 m=58 s=31
